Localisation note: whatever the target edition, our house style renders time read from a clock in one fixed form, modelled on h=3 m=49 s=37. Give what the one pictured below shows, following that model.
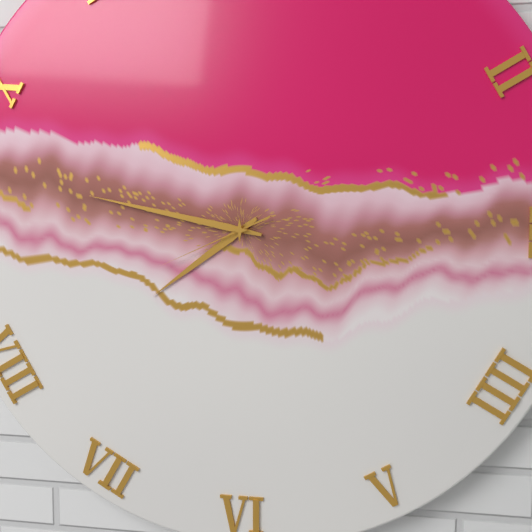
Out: h=7 m=47 s=41
